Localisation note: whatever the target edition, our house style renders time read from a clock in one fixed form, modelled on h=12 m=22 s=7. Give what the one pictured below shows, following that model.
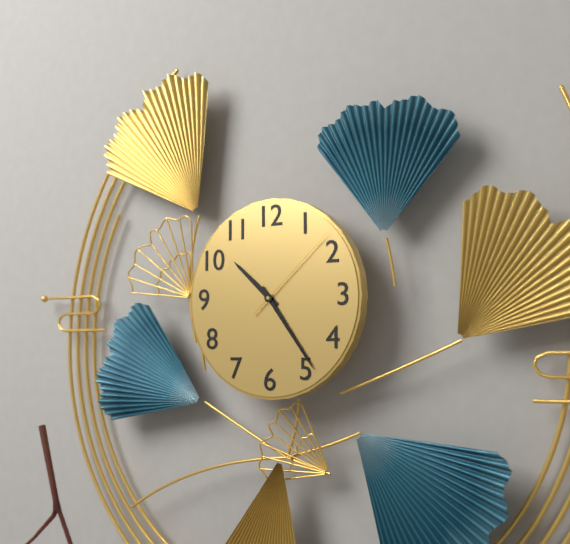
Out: h=10 m=24 s=8
